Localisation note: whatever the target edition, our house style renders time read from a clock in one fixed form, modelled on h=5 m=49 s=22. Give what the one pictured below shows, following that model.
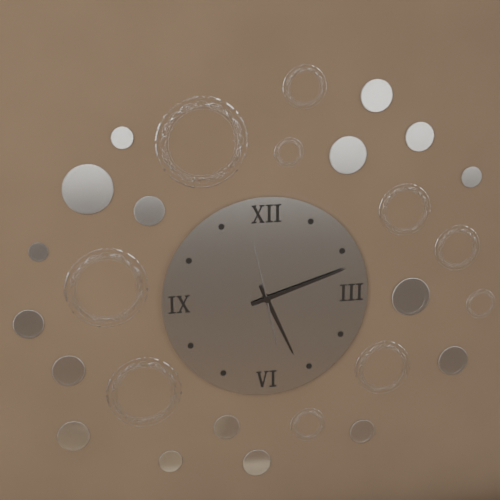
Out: h=5 m=12 s=58
